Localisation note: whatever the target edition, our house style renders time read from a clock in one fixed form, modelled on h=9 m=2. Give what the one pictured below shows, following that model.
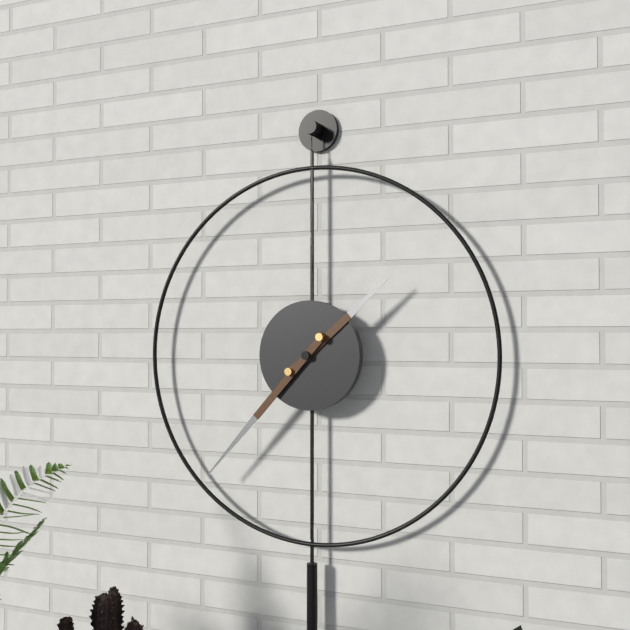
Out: h=1 m=37
